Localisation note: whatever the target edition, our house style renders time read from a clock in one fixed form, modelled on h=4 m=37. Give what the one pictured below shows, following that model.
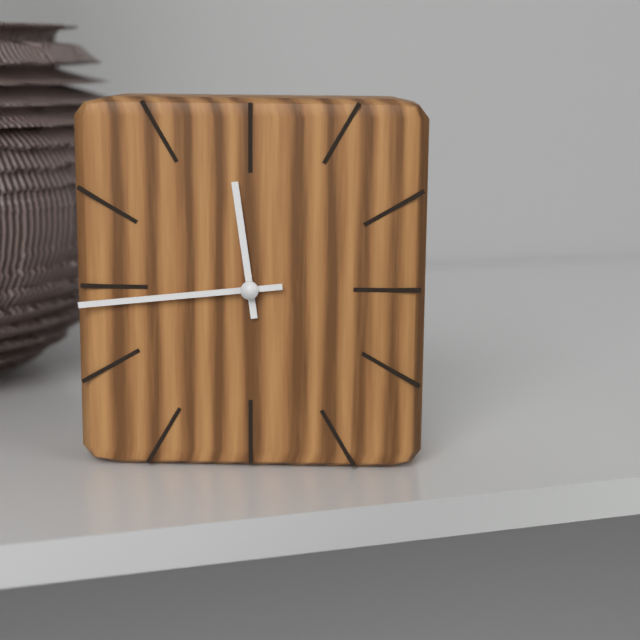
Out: h=11 m=44
